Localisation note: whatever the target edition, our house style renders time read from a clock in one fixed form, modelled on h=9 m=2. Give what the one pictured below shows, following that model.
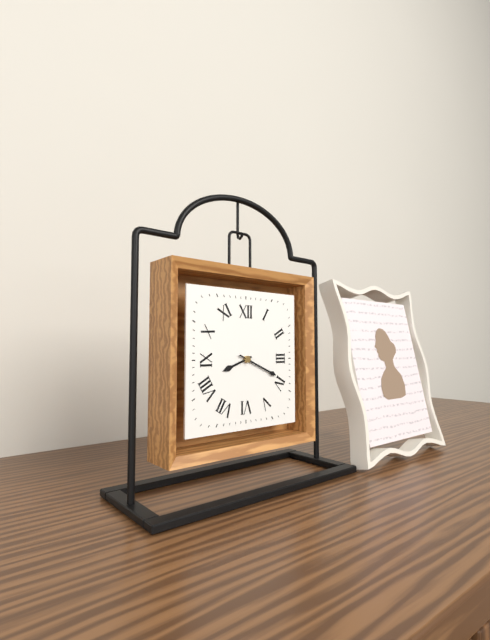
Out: h=8 m=19
